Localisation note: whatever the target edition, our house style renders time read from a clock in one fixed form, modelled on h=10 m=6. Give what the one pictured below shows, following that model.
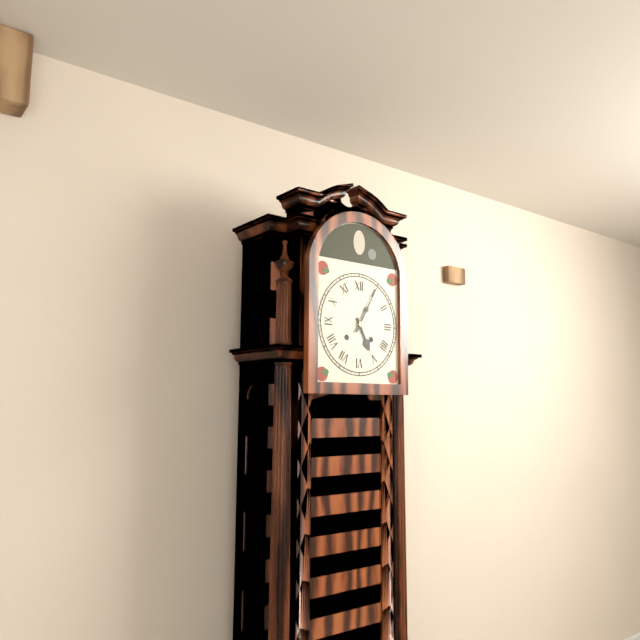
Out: h=5 m=5
